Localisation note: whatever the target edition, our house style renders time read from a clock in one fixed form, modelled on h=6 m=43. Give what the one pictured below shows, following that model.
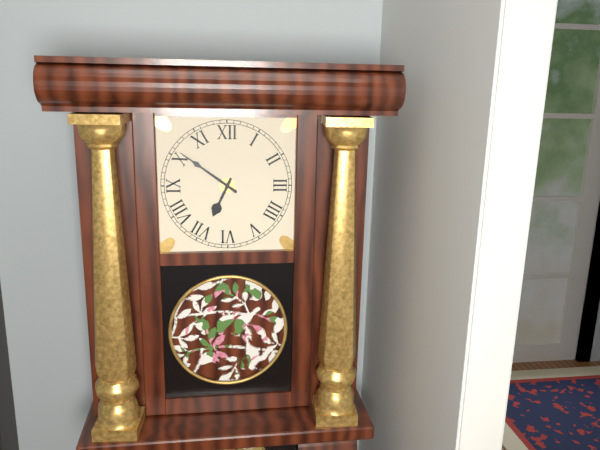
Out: h=6 m=51
